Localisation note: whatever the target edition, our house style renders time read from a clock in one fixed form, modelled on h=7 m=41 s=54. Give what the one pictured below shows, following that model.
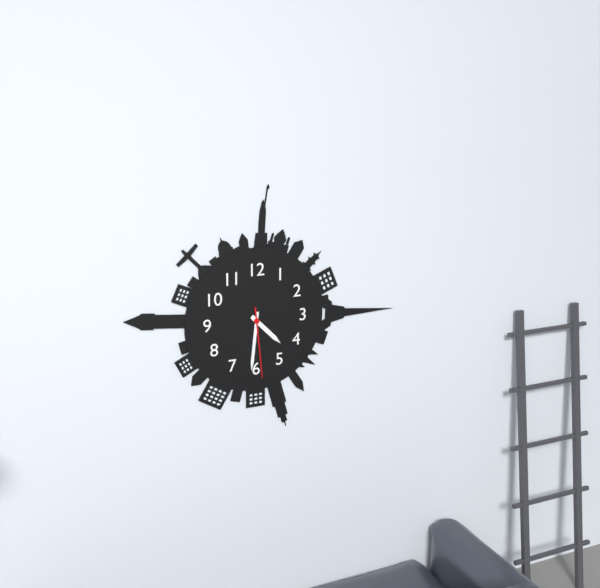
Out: h=4 m=31 s=29
